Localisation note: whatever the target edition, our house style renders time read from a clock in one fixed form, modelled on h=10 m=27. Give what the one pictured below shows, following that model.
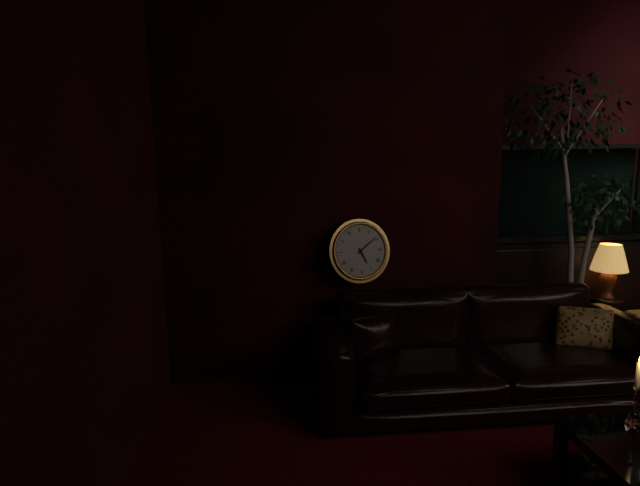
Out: h=5 m=9
